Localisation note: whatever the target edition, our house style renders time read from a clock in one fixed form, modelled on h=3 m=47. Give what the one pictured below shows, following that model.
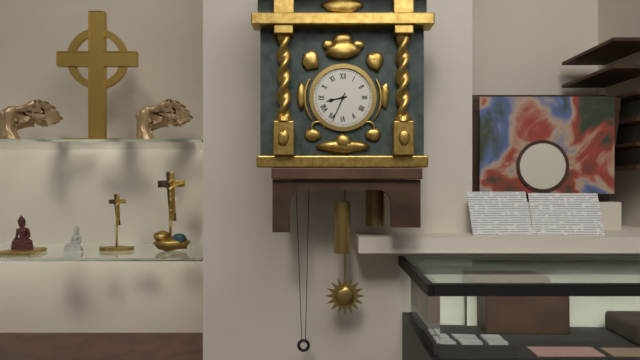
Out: h=8 m=34
